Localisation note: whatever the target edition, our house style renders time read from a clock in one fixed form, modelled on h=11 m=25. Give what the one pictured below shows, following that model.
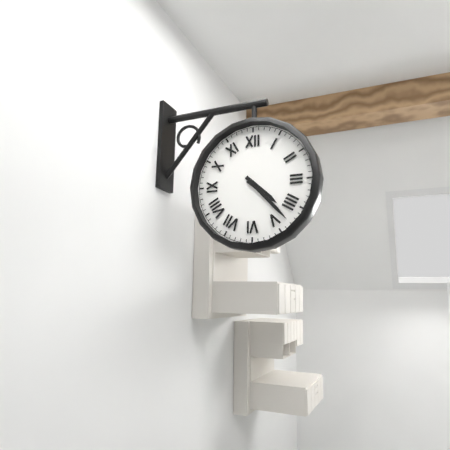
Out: h=4 m=23
